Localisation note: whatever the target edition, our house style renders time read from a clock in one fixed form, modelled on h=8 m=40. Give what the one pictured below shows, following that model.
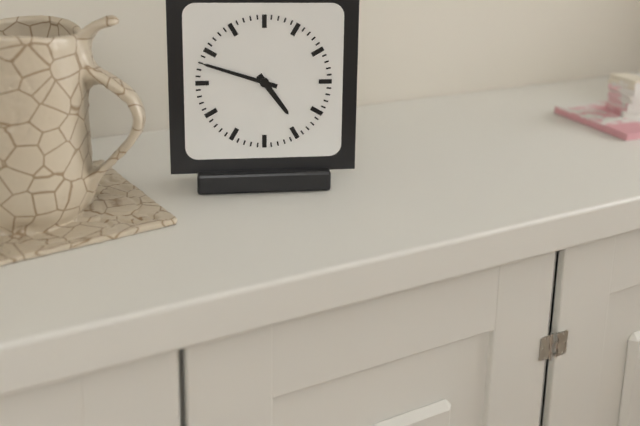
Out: h=4 m=48
